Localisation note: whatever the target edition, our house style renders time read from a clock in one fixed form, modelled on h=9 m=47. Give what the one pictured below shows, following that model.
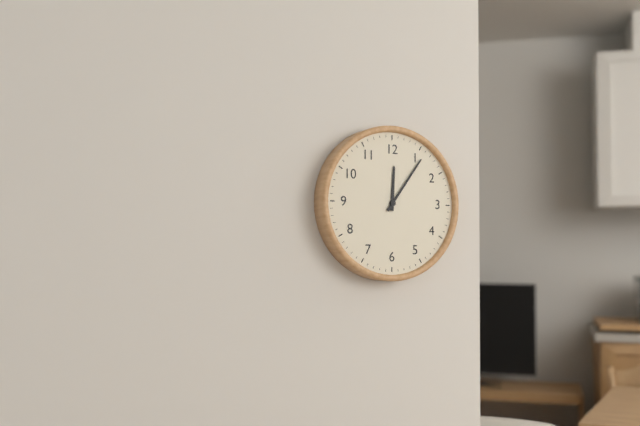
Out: h=12 m=6
